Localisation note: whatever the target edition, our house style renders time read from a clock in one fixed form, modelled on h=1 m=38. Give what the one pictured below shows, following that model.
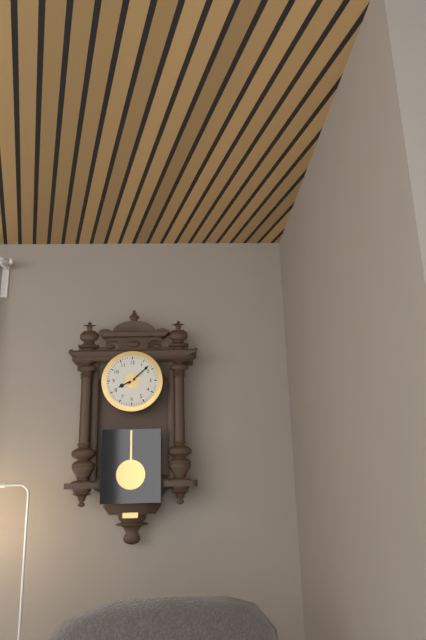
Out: h=8 m=8
